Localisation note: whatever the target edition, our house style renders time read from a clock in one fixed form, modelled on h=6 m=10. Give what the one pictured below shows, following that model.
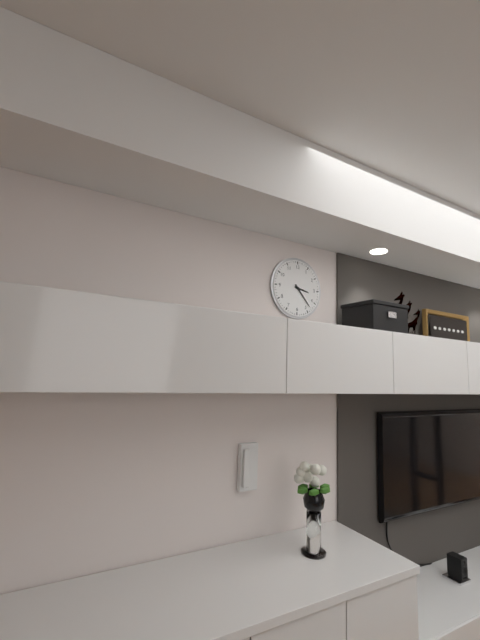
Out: h=3 m=23
